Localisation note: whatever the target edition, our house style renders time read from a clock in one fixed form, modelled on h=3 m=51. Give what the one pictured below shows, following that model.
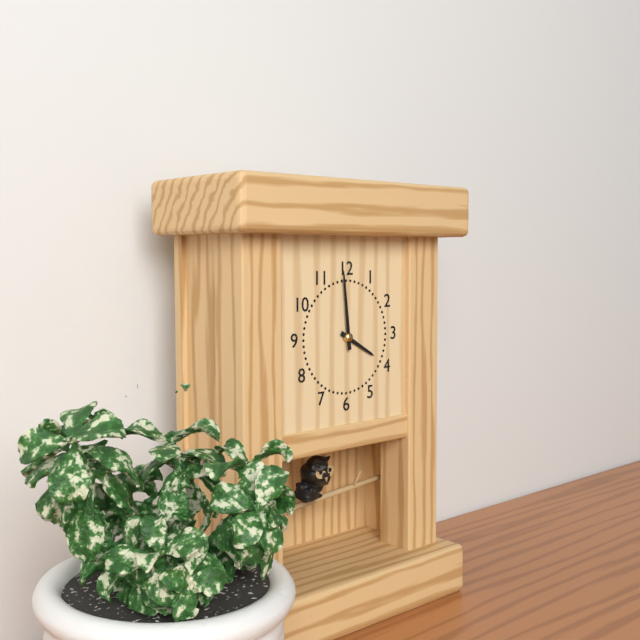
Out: h=3 m=59
